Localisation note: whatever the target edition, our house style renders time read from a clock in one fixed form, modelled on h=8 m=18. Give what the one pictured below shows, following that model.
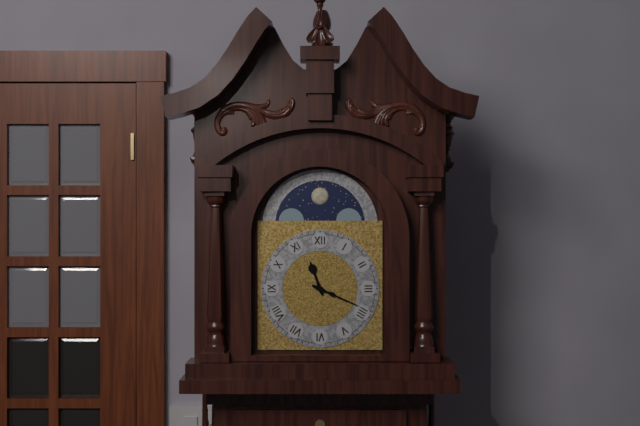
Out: h=11 m=19
